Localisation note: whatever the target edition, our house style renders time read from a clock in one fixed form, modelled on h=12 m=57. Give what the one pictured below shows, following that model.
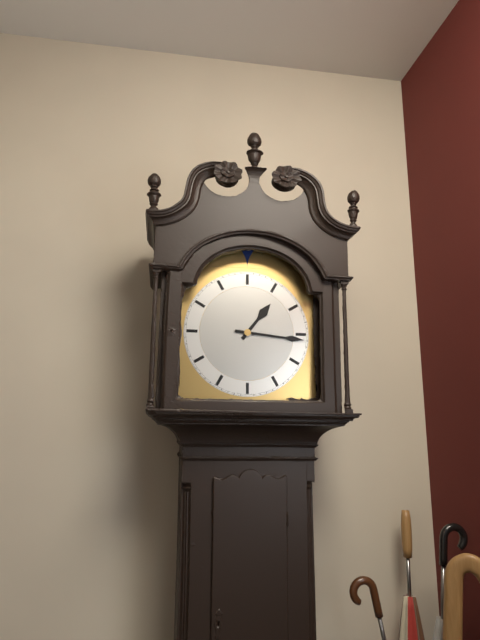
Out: h=1 m=16
